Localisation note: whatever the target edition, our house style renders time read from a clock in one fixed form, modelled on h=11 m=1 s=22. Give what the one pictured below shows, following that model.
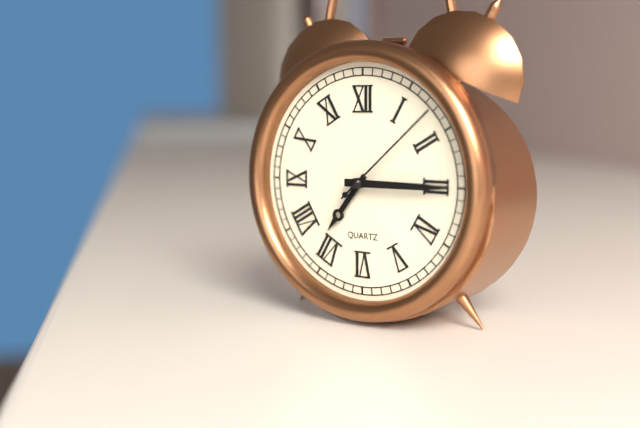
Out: h=7 m=15 s=8
